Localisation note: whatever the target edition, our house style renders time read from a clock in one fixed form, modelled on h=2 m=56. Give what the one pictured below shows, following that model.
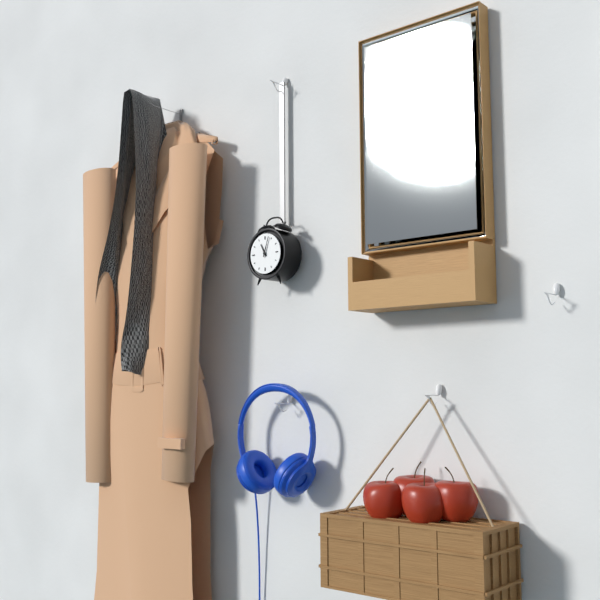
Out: h=11 m=3
